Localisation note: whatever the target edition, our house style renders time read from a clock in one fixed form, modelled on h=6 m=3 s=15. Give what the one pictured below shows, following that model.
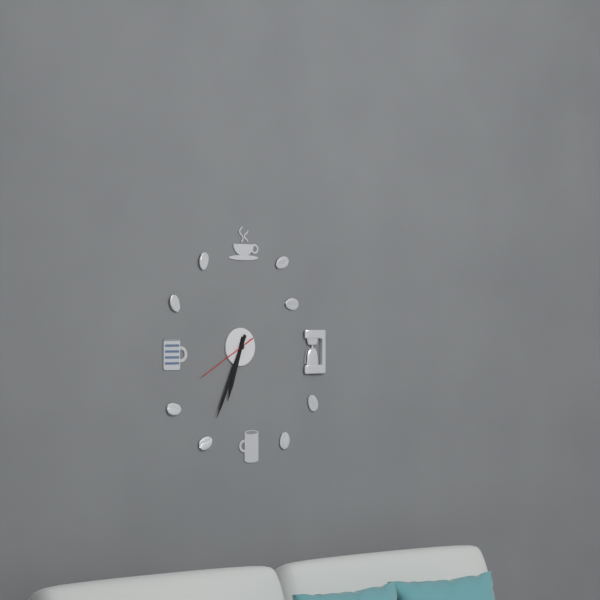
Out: h=6 m=34 s=40
